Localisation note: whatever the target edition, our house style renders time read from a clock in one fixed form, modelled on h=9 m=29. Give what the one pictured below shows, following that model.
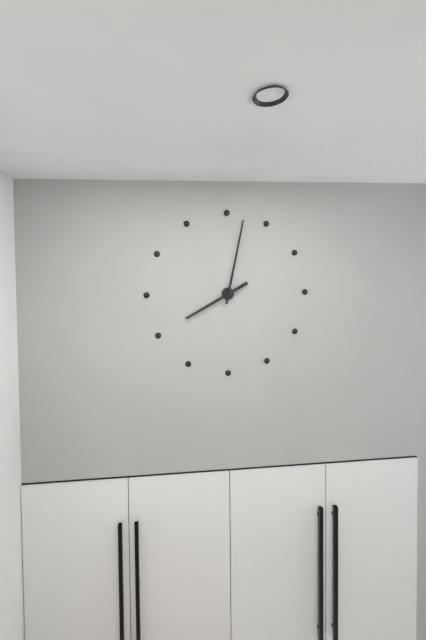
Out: h=8 m=2
